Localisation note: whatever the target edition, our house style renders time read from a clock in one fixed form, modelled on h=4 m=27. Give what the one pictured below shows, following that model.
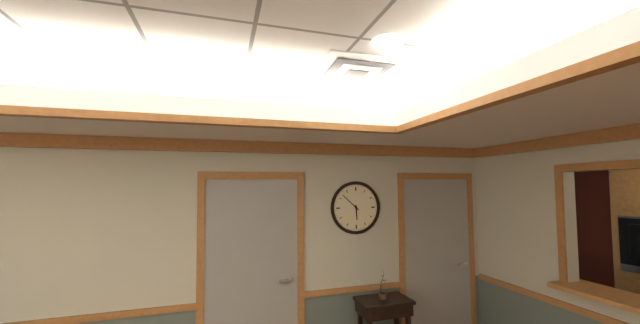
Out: h=5 m=52
